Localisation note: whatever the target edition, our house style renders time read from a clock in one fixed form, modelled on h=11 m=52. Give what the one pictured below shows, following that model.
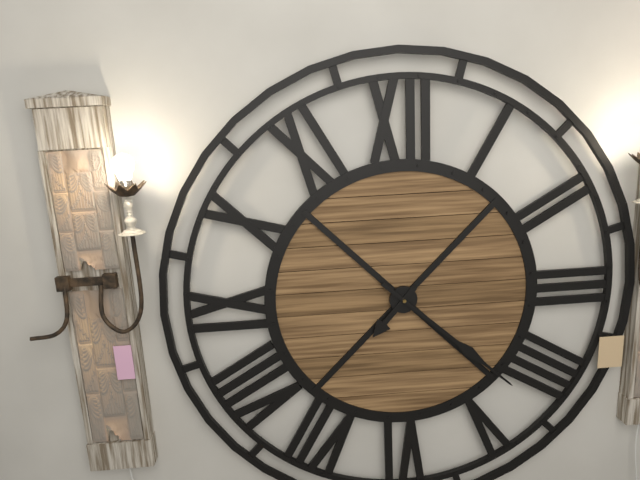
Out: h=7 m=22
